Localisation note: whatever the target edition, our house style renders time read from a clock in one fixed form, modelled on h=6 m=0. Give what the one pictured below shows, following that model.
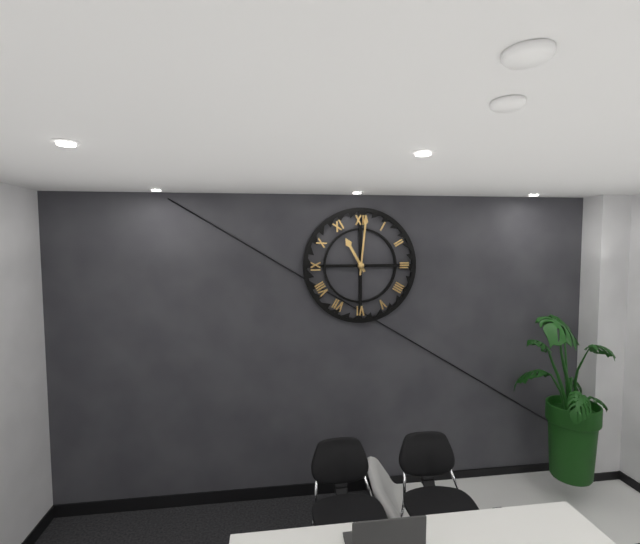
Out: h=11 m=1
